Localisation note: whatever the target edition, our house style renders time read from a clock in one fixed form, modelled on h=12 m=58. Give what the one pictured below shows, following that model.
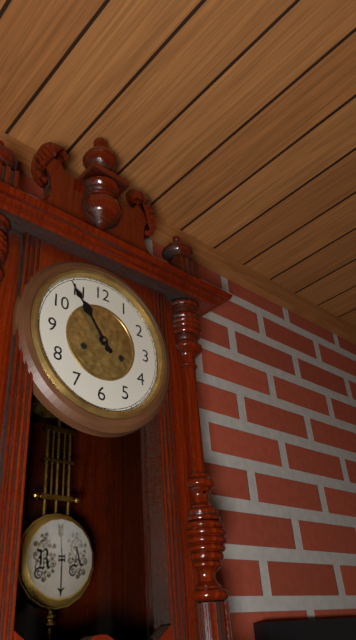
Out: h=10 m=54
